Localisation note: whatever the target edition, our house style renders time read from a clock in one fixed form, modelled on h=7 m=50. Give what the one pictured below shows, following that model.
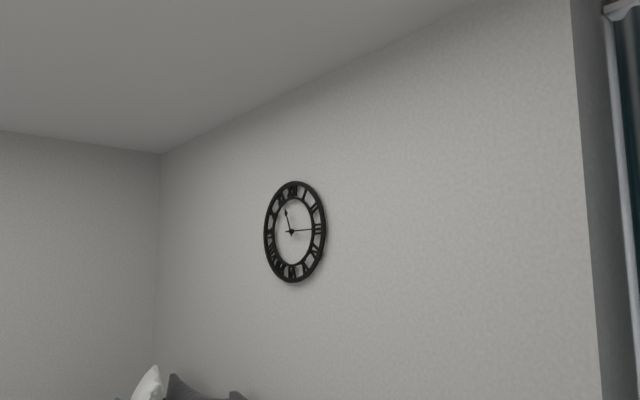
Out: h=11 m=15
